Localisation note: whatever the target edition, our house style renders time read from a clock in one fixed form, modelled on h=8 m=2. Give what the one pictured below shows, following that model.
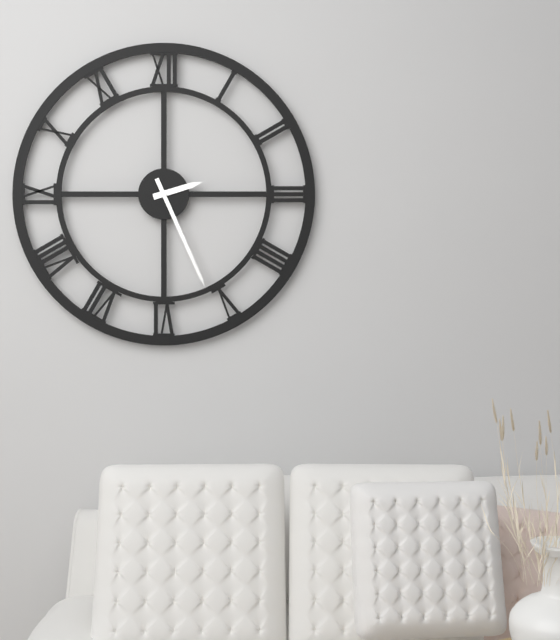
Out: h=2 m=26
